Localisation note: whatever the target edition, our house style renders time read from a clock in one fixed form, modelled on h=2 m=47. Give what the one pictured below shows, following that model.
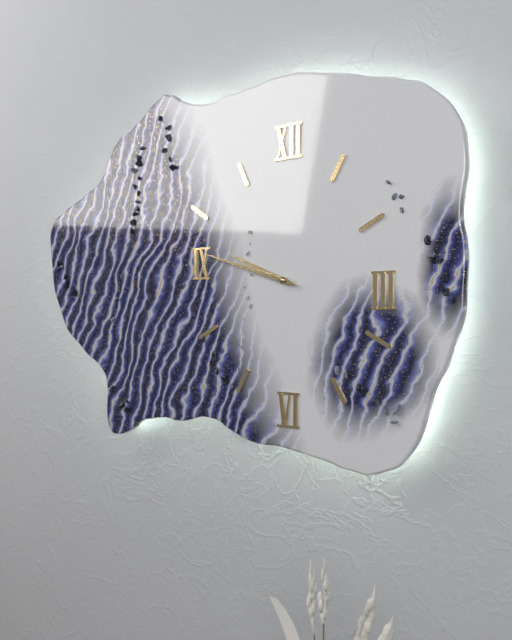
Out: h=9 m=48
